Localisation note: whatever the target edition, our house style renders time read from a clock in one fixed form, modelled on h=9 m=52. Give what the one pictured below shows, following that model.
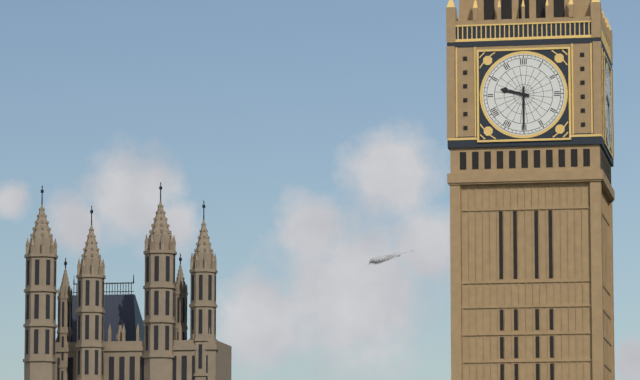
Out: h=9 m=30
